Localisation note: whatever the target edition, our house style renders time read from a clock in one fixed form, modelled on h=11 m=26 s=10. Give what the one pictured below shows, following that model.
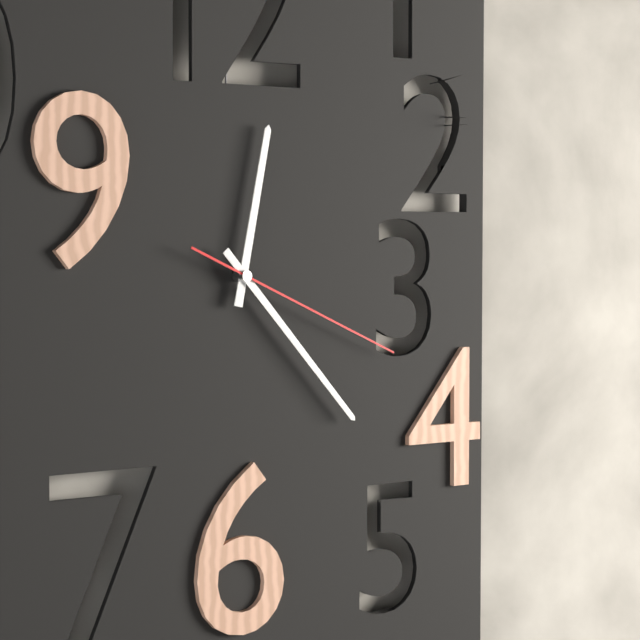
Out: h=12 m=23 s=19
